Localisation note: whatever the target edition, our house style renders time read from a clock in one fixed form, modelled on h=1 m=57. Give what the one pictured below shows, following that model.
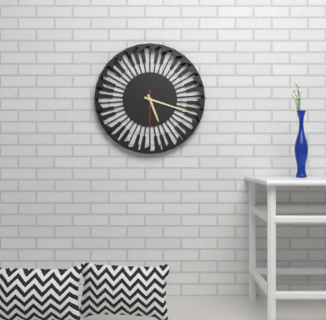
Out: h=5 m=18
